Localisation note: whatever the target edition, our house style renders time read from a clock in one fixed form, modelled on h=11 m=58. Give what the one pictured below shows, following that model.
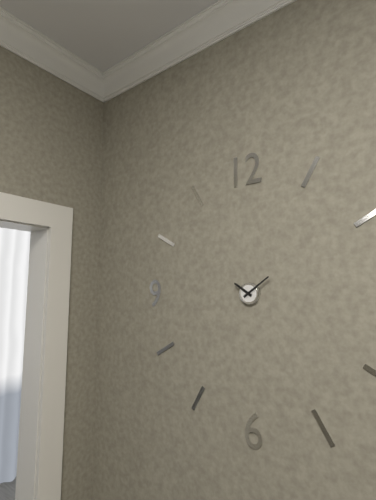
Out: h=10 m=9
